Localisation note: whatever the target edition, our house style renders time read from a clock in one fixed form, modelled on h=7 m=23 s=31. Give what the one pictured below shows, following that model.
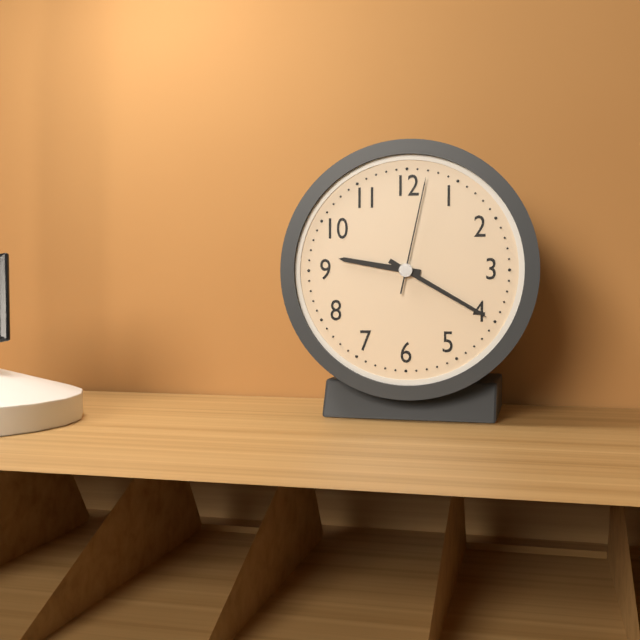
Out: h=9 m=20 s=2
